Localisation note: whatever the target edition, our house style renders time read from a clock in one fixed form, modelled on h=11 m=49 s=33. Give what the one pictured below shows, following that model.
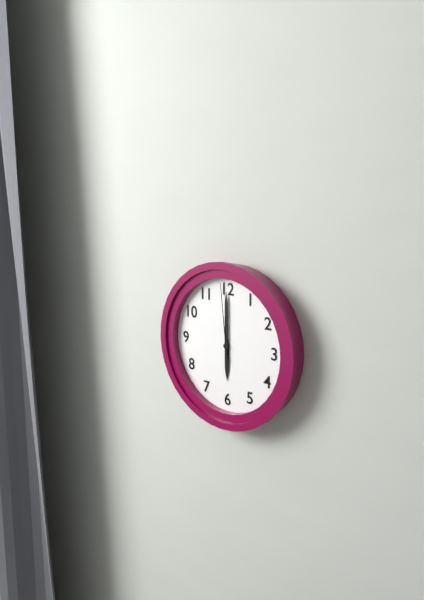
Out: h=6 m=0 s=59
